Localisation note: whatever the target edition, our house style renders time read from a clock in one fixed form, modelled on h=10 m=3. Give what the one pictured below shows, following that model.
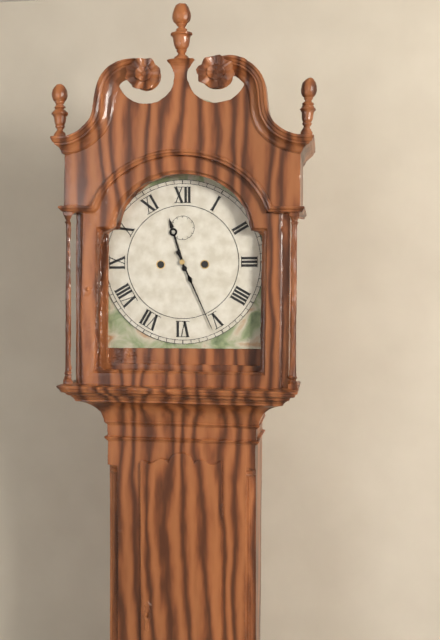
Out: h=11 m=26
